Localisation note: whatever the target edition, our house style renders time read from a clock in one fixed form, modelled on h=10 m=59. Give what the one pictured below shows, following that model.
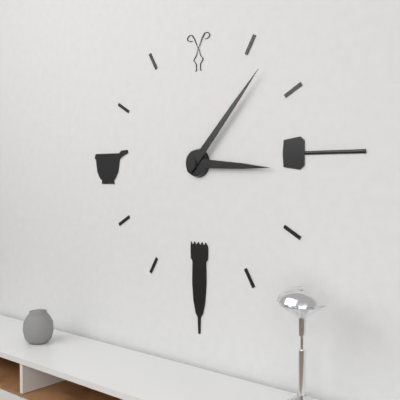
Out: h=3 m=7
